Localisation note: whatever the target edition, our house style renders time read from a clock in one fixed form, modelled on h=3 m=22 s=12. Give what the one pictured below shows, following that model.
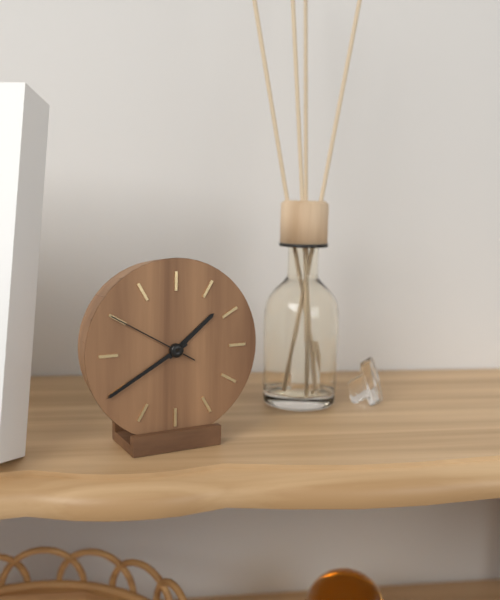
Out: h=1 m=40 s=50
